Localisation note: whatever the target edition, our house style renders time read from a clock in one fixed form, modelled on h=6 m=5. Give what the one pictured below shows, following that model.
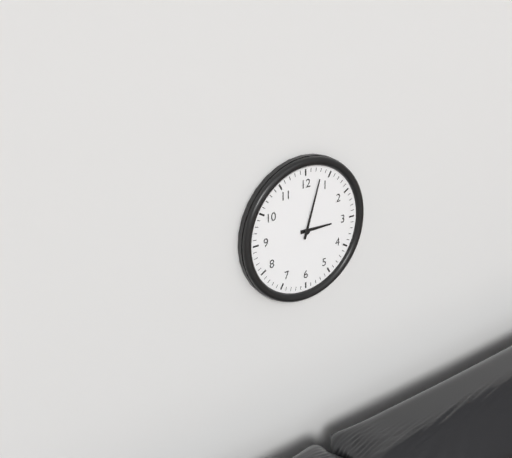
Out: h=3 m=3
